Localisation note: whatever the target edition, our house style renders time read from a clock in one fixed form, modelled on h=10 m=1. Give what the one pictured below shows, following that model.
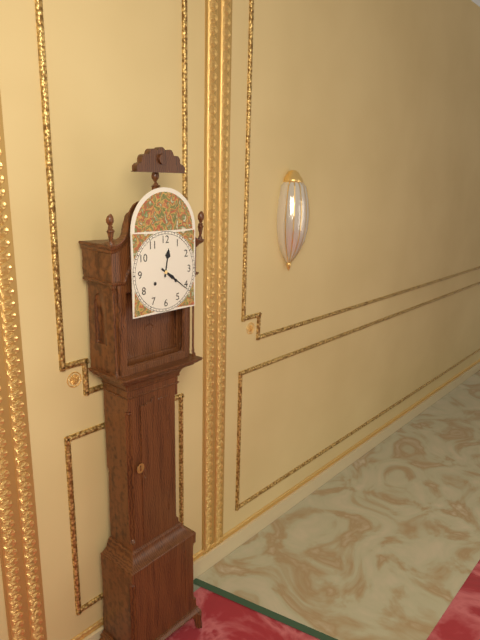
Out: h=12 m=21
